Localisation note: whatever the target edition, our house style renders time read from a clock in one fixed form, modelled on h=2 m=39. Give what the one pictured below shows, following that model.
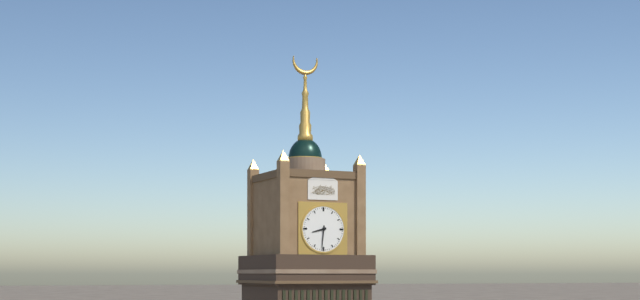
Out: h=8 m=31
